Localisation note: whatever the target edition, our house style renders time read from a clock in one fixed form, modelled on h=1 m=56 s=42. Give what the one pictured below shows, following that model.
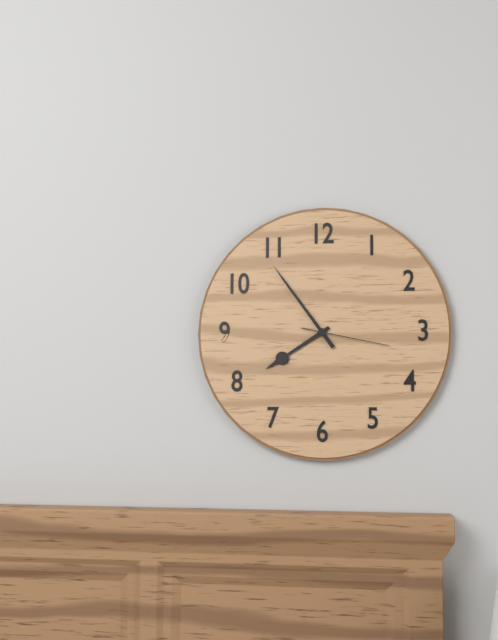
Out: h=7 m=54 s=17
